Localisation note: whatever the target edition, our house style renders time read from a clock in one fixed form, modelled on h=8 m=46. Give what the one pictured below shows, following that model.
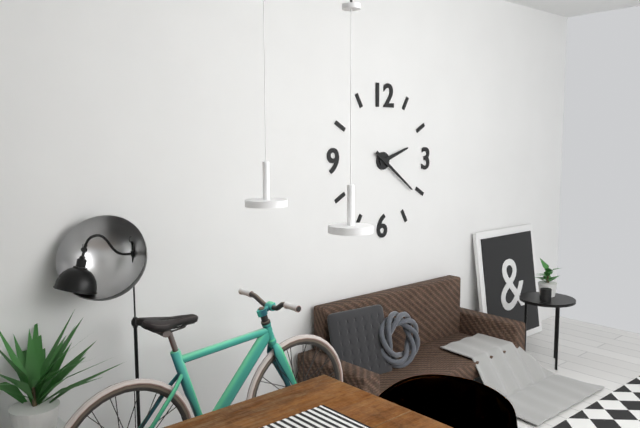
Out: h=2 m=21
